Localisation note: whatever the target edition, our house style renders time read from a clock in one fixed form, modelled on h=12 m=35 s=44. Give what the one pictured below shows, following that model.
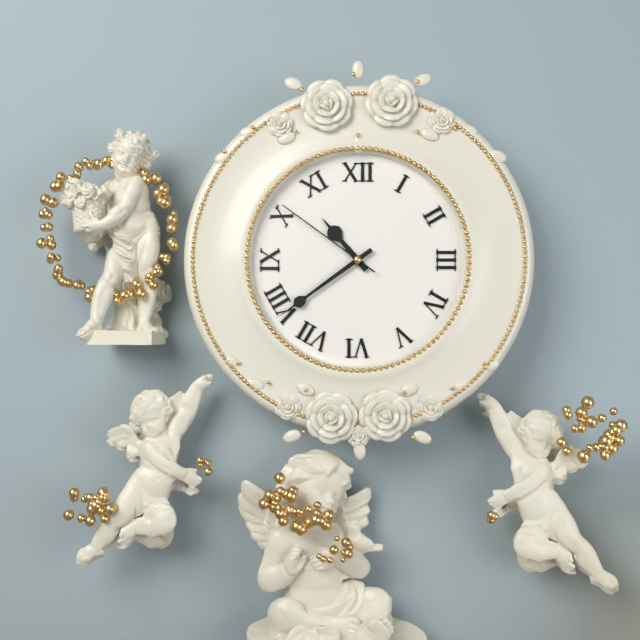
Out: h=10 m=39 s=51
